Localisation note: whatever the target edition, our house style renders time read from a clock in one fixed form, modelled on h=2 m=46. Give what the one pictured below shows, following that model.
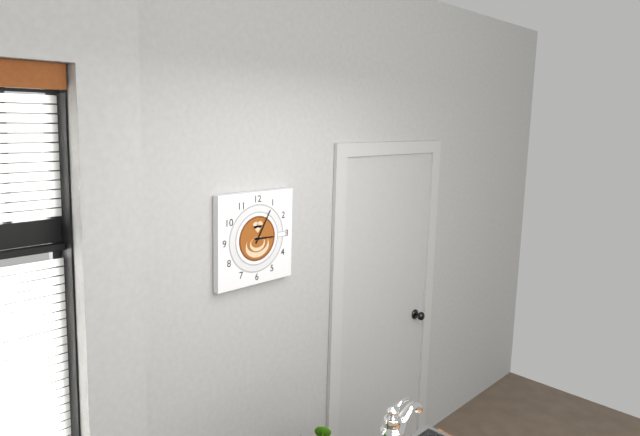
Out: h=3 m=5
